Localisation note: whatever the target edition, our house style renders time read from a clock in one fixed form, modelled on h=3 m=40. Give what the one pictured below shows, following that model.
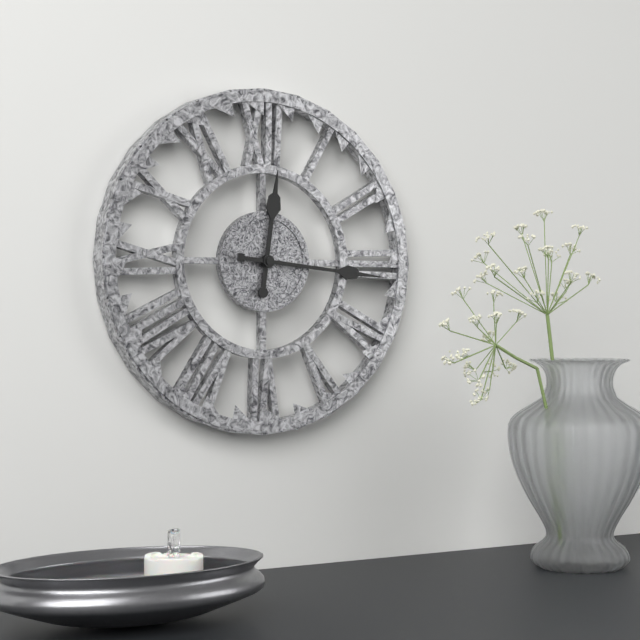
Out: h=12 m=16
